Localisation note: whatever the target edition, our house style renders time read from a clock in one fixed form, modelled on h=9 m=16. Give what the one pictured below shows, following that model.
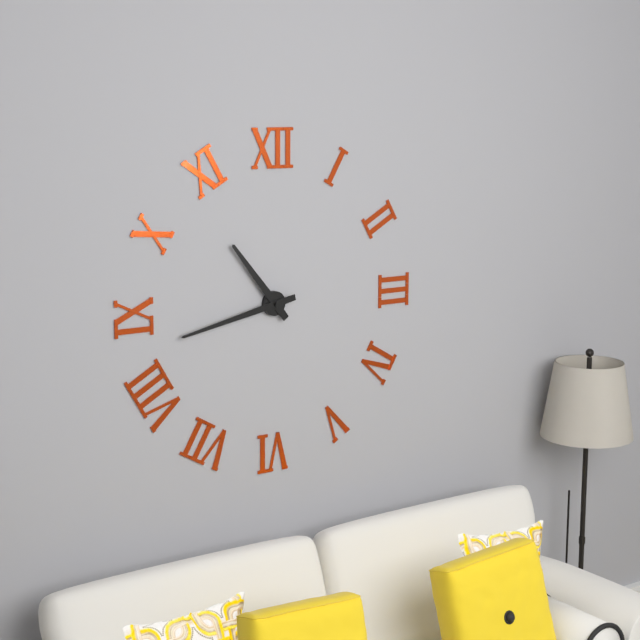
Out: h=10 m=43
